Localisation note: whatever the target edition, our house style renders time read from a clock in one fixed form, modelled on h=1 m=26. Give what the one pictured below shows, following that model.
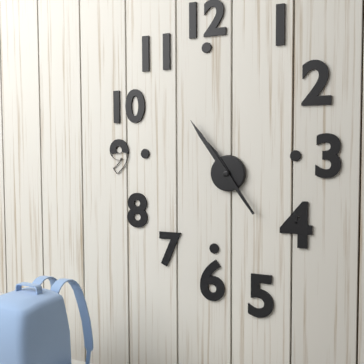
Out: h=10 m=54
